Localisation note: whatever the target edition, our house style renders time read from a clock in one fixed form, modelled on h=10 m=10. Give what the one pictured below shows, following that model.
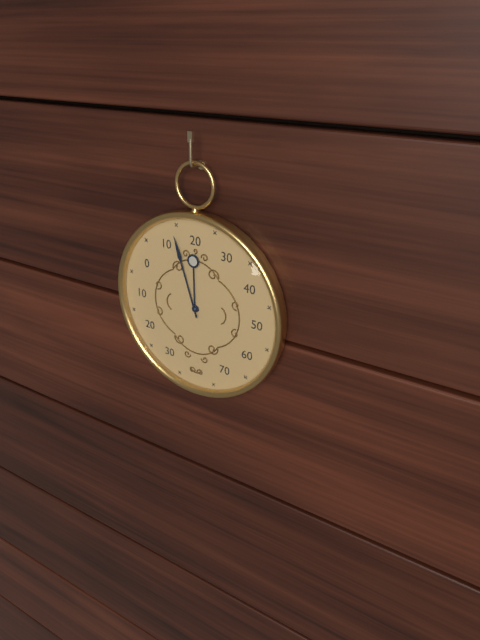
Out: h=11 m=57
